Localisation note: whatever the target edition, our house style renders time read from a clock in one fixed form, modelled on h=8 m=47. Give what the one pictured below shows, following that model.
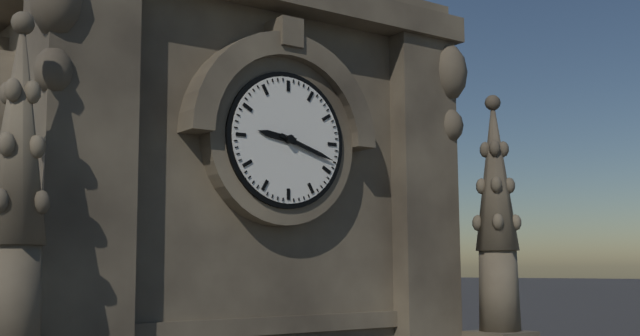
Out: h=9 m=18
